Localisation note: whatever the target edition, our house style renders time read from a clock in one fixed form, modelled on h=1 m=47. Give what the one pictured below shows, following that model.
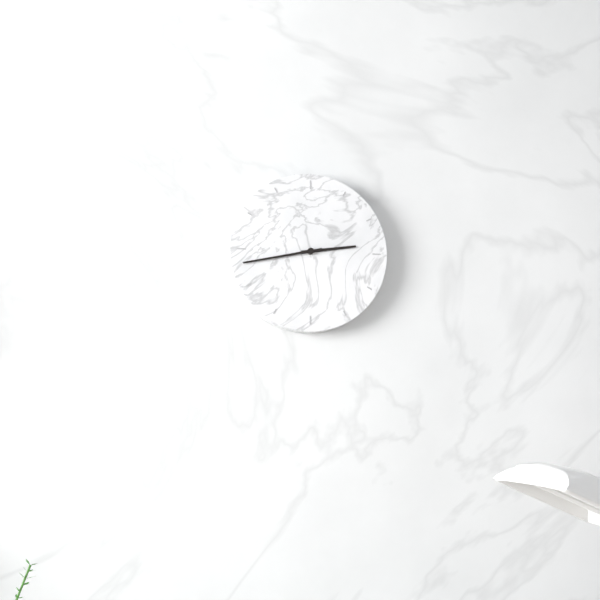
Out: h=2 m=43
